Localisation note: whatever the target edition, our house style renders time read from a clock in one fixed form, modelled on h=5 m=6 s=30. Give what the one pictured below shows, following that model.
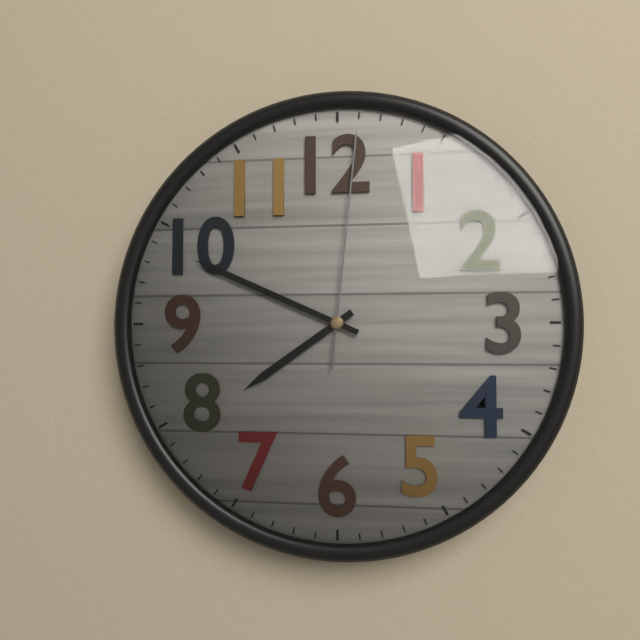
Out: h=7 m=49 s=1
